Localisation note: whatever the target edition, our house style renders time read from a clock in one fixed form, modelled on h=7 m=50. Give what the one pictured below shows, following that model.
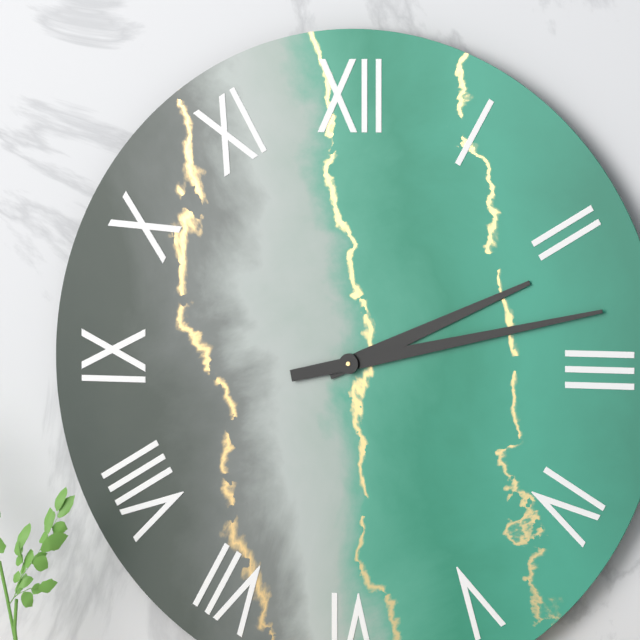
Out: h=2 m=13
